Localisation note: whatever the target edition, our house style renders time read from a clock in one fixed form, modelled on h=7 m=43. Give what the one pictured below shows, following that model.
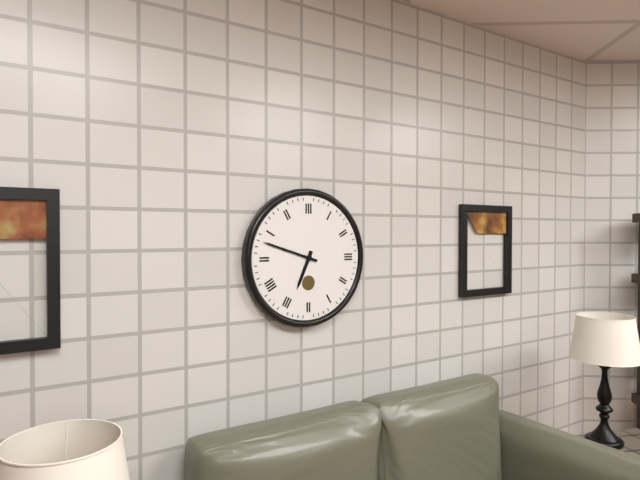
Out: h=6 m=48
